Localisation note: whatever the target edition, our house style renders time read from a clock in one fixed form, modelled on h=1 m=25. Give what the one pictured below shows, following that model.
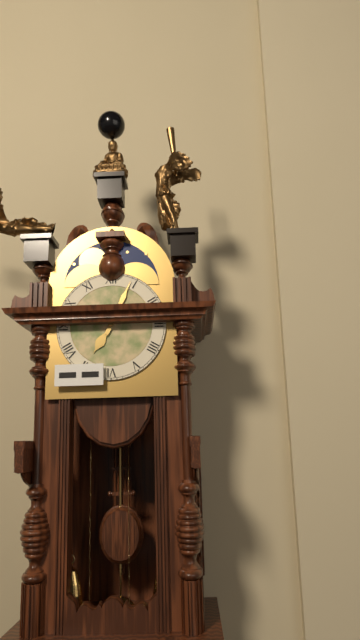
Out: h=7 m=4
